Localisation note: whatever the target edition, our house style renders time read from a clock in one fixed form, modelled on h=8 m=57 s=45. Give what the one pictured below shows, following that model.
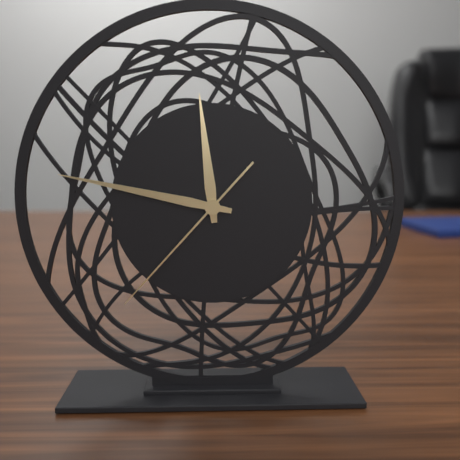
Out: h=11 m=47 s=37
